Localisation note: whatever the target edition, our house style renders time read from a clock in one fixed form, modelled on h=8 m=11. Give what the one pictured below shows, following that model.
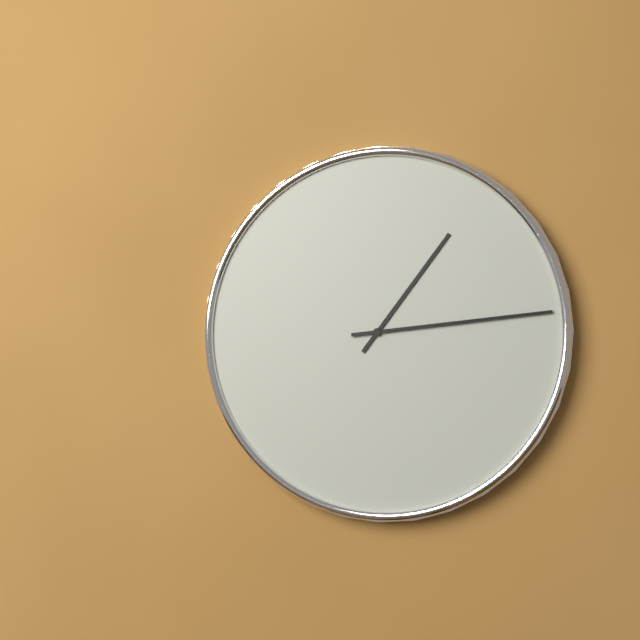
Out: h=1 m=14
